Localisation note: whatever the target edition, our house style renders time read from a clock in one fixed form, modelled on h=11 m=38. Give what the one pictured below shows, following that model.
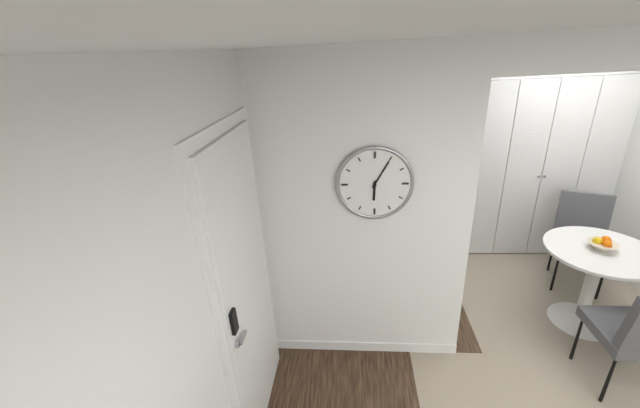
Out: h=6 m=5
